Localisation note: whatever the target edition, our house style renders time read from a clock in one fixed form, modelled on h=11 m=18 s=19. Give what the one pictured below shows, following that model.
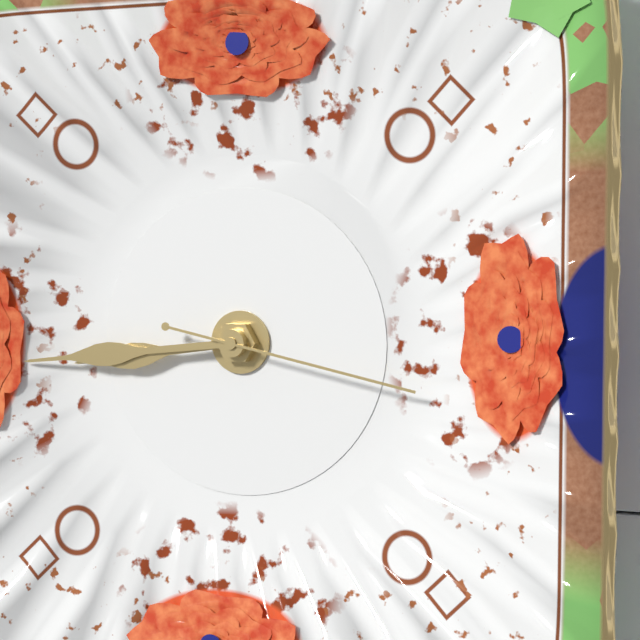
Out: h=8 m=44 s=17
